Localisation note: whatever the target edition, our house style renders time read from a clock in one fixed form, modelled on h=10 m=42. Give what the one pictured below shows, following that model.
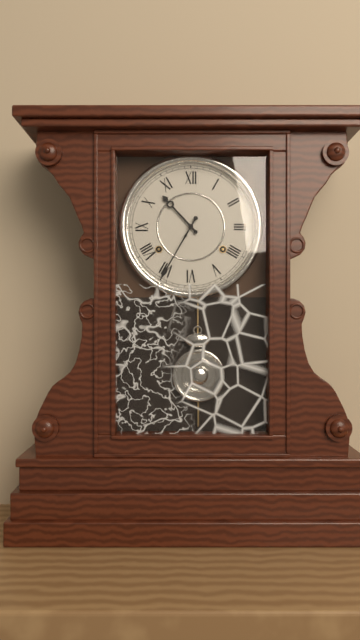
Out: h=10 m=35
